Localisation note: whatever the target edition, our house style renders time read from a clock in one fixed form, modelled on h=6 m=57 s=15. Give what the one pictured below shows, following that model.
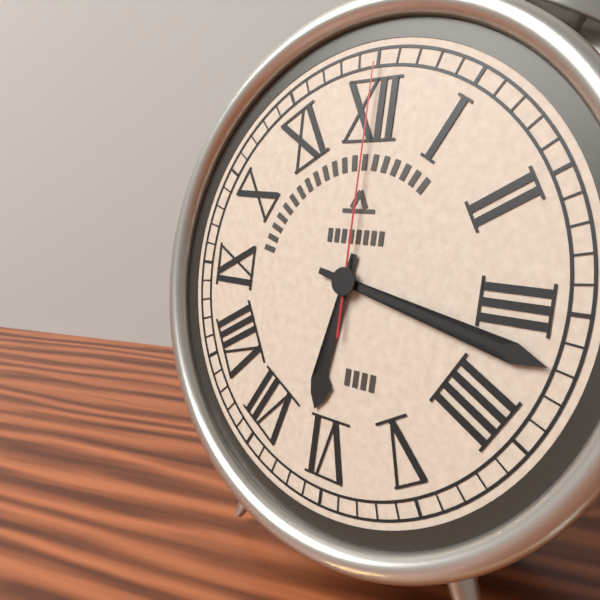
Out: h=6 m=17 s=0
